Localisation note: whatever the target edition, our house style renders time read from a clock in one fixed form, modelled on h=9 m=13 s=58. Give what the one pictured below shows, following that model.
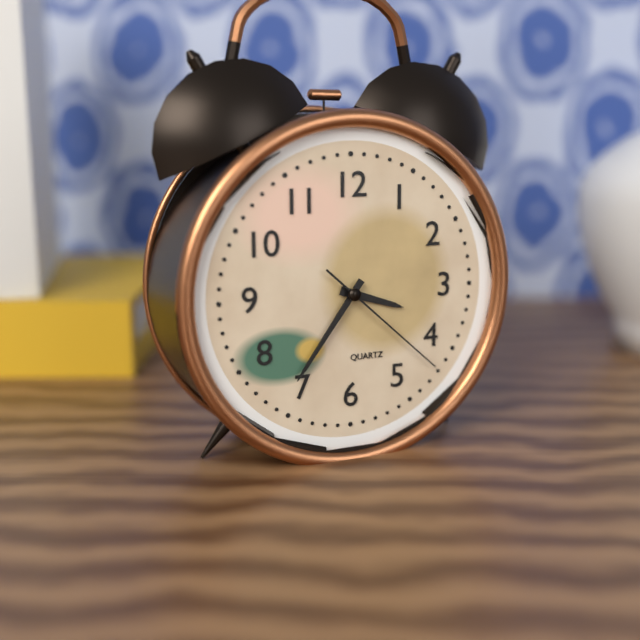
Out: h=3 m=36 s=22
